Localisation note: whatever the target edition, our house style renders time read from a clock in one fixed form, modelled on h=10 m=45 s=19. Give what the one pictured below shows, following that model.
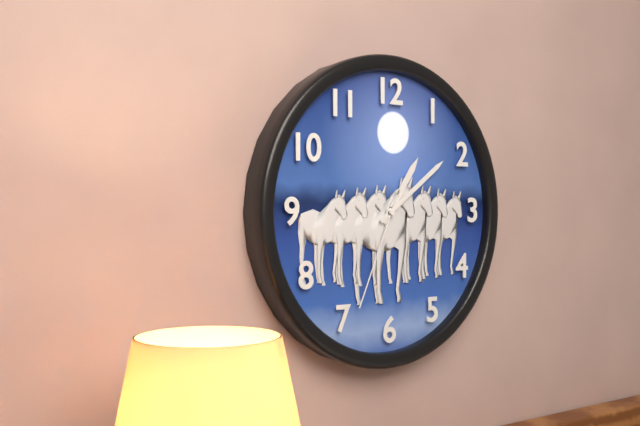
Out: h=1 m=9 s=34
